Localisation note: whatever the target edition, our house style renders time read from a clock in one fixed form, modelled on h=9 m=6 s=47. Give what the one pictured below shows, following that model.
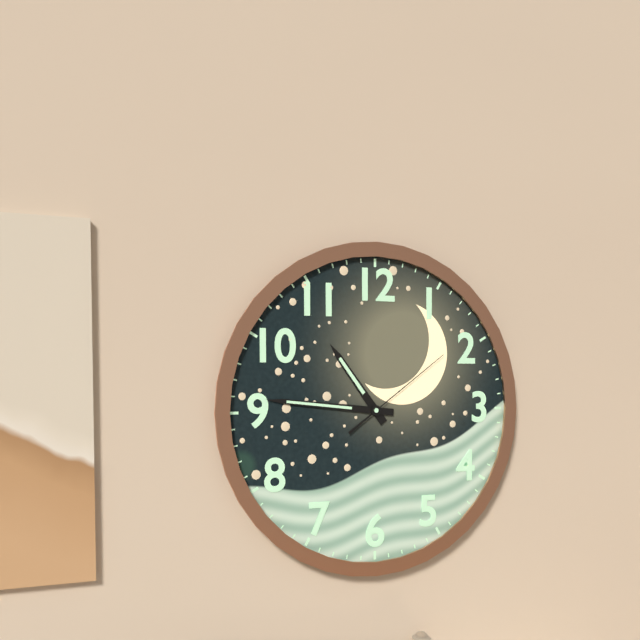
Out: h=10 m=46 s=9
